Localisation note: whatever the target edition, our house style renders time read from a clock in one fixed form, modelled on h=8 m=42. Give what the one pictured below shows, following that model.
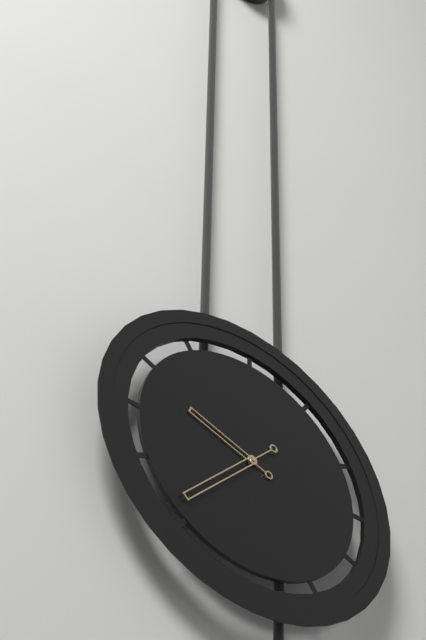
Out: h=9 m=37
